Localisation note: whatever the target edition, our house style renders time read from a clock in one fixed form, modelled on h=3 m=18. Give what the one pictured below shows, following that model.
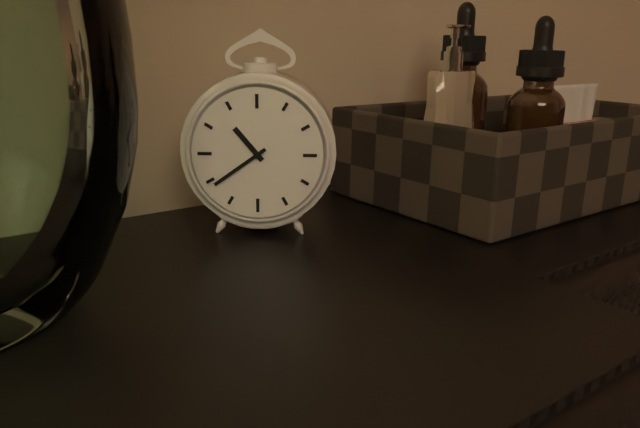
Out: h=10 m=39
